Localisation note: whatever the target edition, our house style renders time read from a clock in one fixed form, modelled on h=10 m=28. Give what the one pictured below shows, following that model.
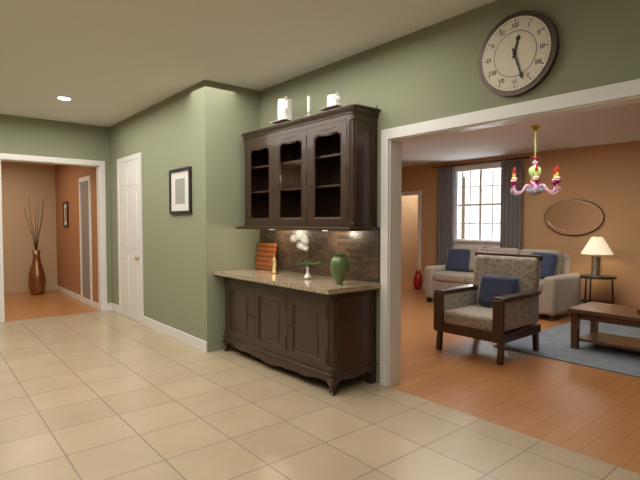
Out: h=12 m=27
